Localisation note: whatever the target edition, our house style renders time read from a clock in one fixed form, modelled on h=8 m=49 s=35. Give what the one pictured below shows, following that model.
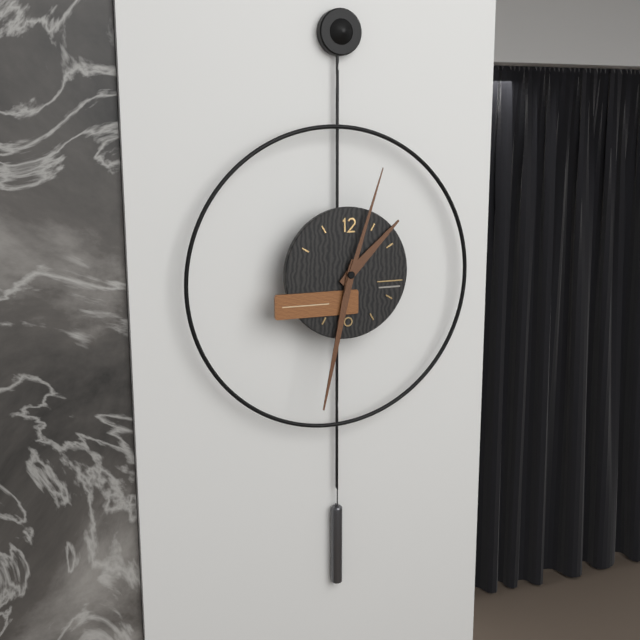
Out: h=1 m=32 s=3
